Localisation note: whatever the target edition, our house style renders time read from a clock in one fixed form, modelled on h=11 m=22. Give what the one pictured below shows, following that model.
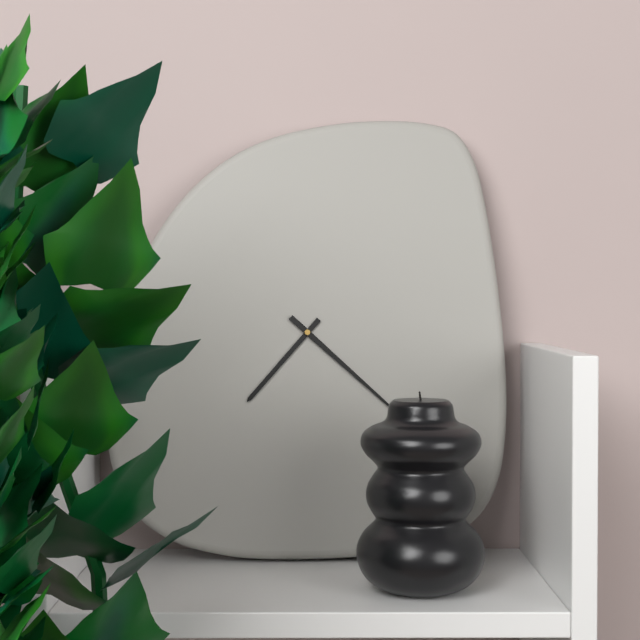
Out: h=7 m=22
